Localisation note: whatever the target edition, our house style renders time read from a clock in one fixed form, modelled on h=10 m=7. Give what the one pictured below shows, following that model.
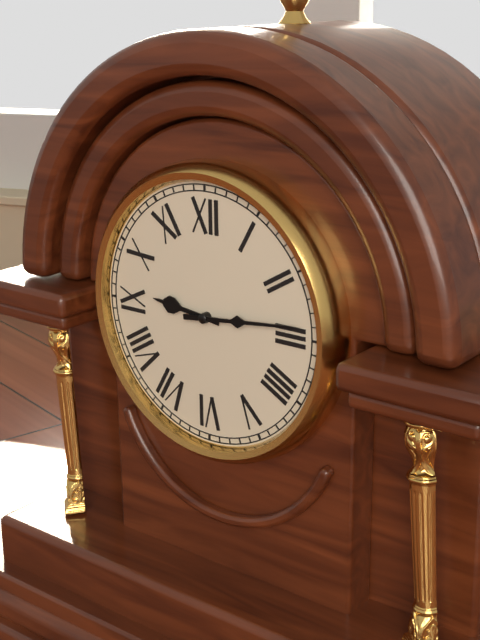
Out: h=9 m=14
